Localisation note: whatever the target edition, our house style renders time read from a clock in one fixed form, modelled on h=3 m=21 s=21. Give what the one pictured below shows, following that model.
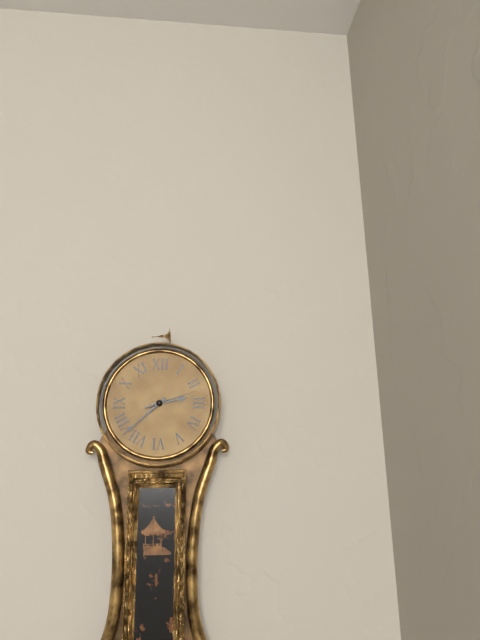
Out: h=2 m=38 s=12
